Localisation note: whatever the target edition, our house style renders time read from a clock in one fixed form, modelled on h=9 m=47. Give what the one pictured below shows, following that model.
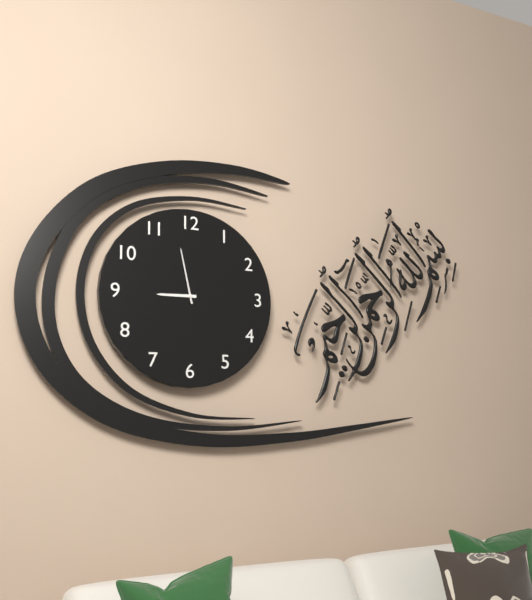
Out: h=8 m=58
